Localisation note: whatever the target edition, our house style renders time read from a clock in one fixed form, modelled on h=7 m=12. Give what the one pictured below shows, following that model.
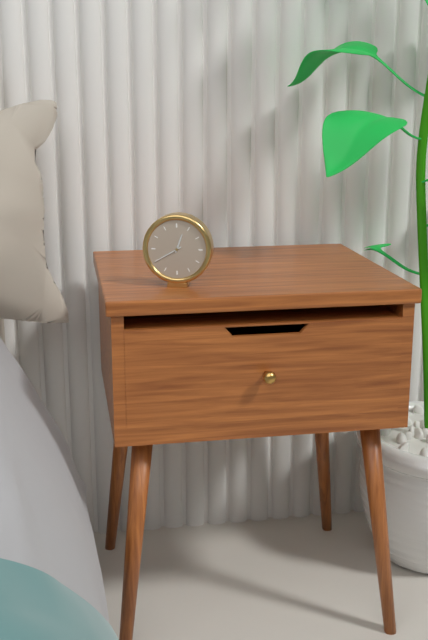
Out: h=12 m=40
